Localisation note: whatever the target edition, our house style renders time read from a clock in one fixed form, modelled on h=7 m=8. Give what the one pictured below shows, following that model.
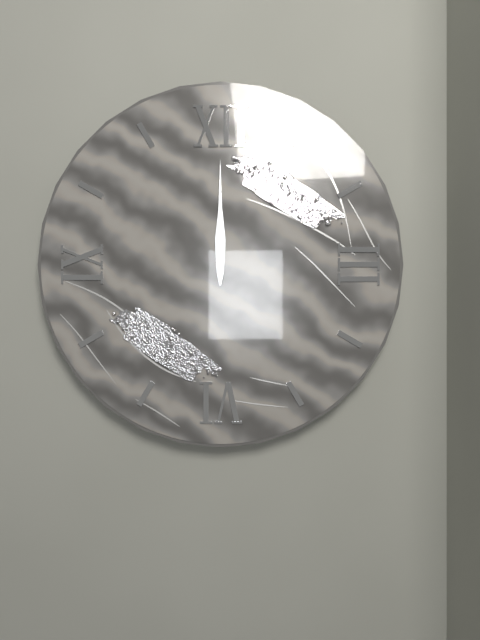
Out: h=12 m=0
